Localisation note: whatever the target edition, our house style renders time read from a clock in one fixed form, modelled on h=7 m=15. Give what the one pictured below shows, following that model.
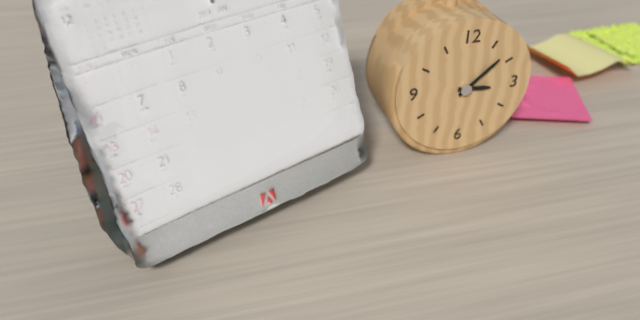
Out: h=3 m=8
